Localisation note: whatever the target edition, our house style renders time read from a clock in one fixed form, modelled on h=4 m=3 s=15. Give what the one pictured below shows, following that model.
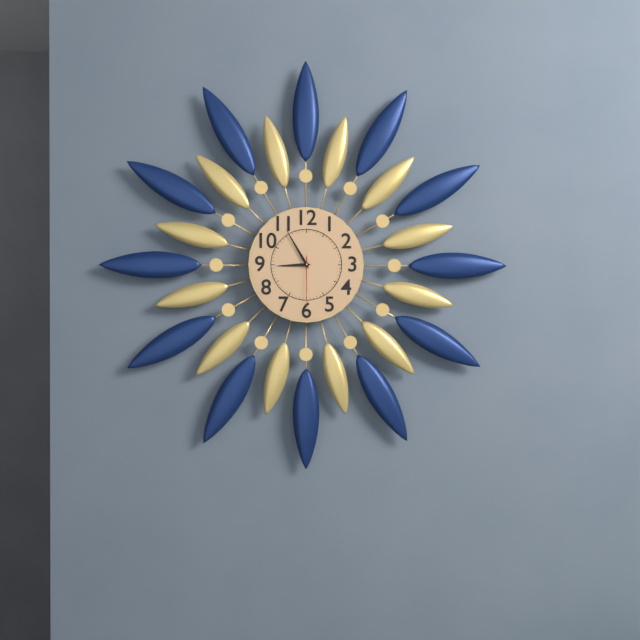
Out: h=8 m=55 s=30
